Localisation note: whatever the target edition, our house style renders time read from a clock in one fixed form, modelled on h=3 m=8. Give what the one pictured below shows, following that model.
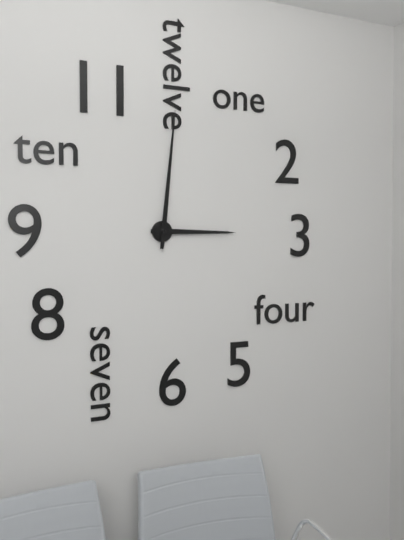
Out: h=3 m=1
